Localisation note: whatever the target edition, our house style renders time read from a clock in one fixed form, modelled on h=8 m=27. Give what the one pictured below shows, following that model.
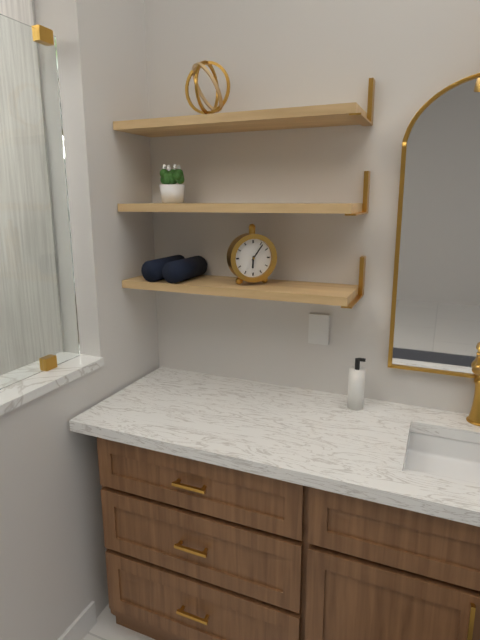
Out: h=6 m=6
